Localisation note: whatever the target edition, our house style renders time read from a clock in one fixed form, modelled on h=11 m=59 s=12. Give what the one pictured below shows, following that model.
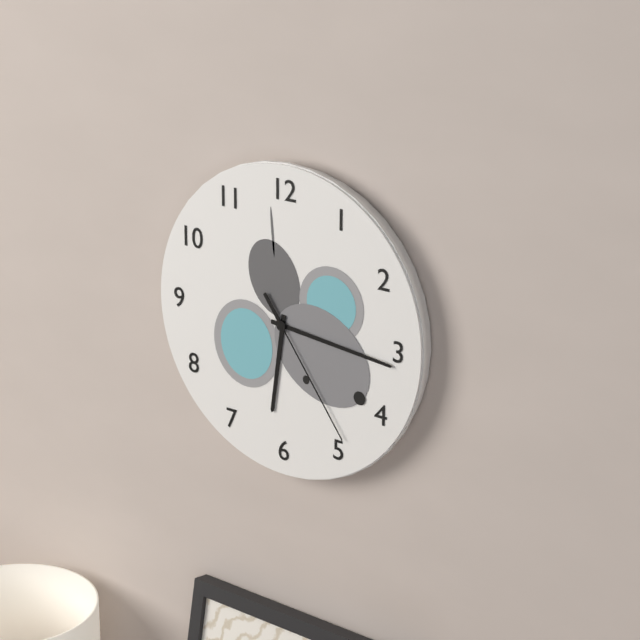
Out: h=6 m=16 s=24
